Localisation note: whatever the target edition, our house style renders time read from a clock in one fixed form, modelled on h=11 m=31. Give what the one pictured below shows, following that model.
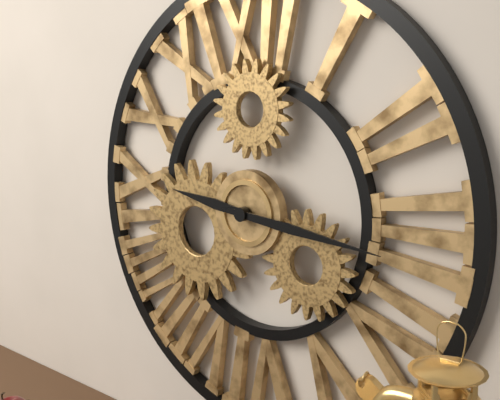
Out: h=9 m=16
